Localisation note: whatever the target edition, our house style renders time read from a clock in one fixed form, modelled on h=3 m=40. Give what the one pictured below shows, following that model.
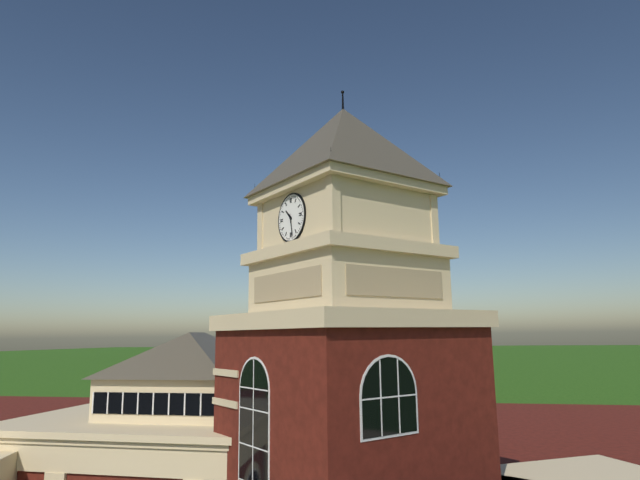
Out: h=10 m=28
